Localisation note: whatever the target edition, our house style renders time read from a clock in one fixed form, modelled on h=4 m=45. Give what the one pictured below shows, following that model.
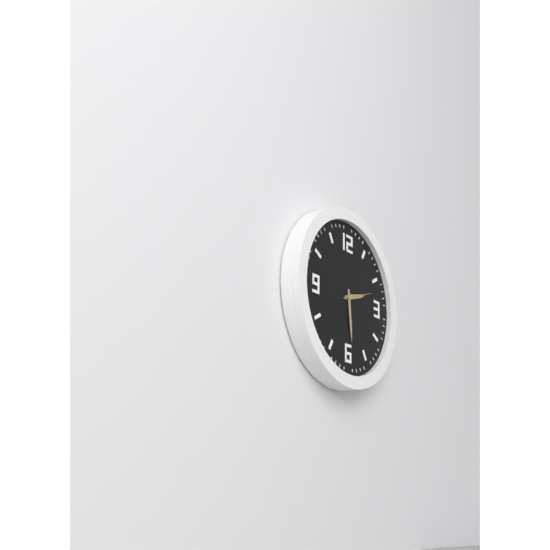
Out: h=2 m=29
